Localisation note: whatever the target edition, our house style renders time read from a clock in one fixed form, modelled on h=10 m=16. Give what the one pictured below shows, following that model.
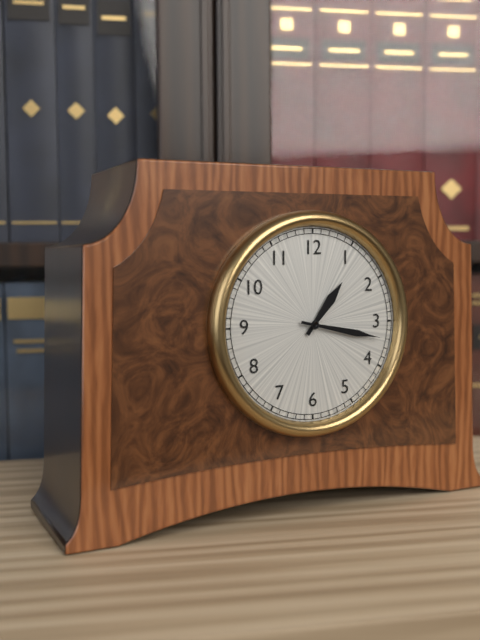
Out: h=1 m=17
